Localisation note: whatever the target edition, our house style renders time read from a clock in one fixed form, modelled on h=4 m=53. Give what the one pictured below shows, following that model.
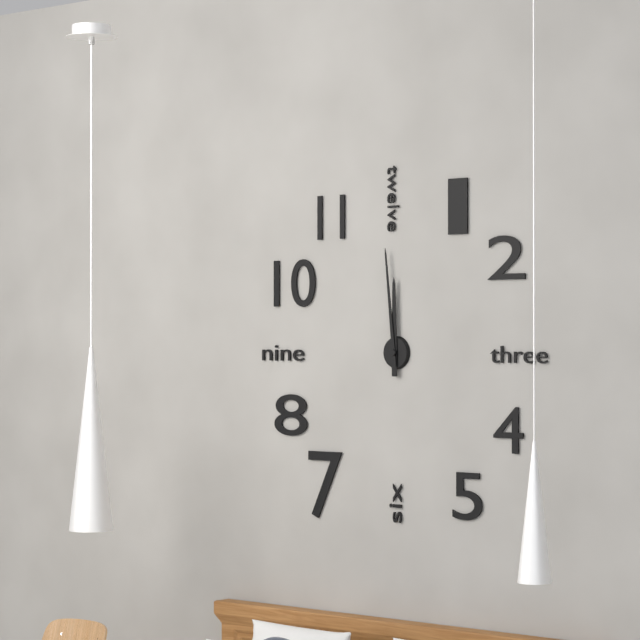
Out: h=11 m=59
